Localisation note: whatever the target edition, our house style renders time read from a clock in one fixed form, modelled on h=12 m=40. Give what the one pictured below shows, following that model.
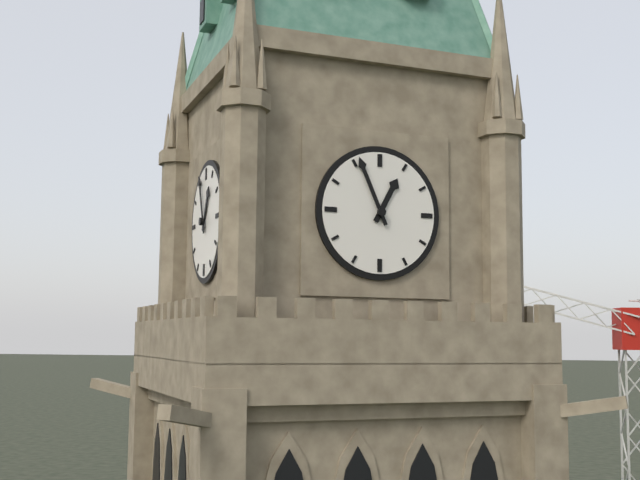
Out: h=12 m=56
